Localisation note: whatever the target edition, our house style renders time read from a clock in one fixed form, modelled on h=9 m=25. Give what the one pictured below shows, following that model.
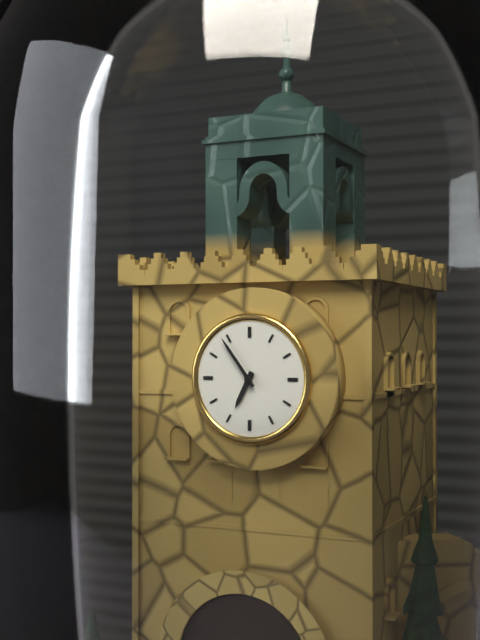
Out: h=6 m=54
